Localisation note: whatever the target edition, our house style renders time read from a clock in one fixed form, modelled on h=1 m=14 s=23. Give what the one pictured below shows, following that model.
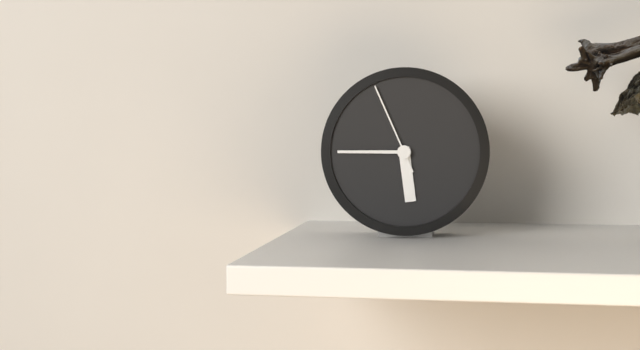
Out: h=5 m=45 s=56
